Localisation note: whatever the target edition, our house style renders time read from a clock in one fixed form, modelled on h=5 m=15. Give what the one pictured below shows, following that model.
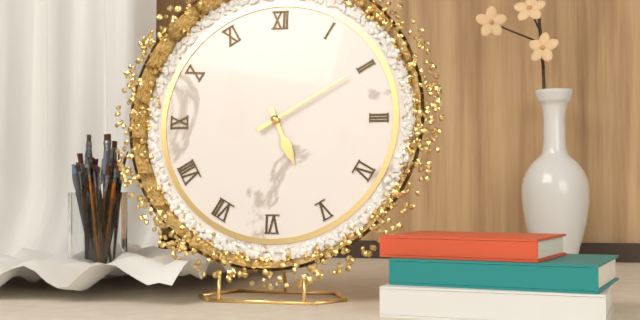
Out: h=5 m=10
